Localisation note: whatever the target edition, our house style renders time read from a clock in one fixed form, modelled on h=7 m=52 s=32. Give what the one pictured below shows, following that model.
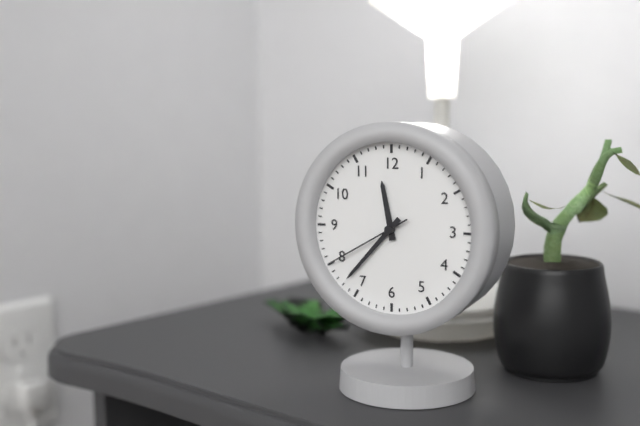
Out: h=11 m=37 s=40
